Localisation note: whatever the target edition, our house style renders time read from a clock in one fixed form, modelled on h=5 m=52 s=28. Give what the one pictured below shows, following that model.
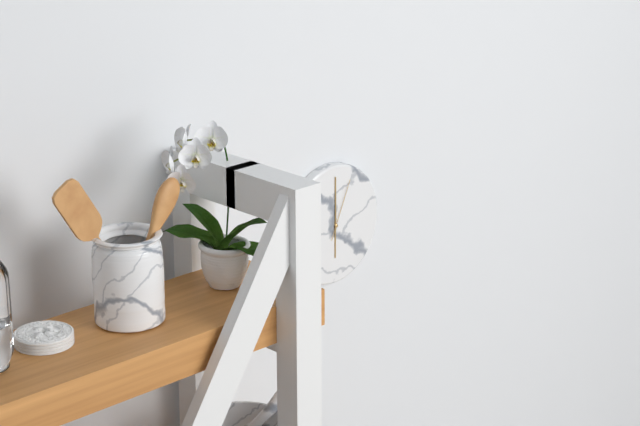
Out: h=6 m=0 s=4
